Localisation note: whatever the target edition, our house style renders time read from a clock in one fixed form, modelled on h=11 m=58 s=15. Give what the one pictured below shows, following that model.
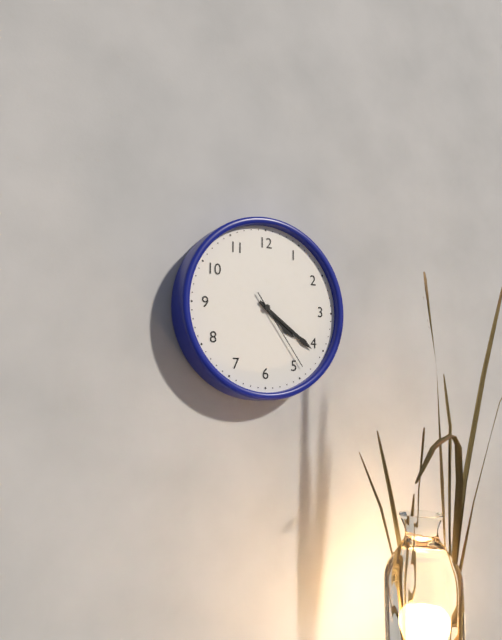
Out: h=4 m=21 s=24
